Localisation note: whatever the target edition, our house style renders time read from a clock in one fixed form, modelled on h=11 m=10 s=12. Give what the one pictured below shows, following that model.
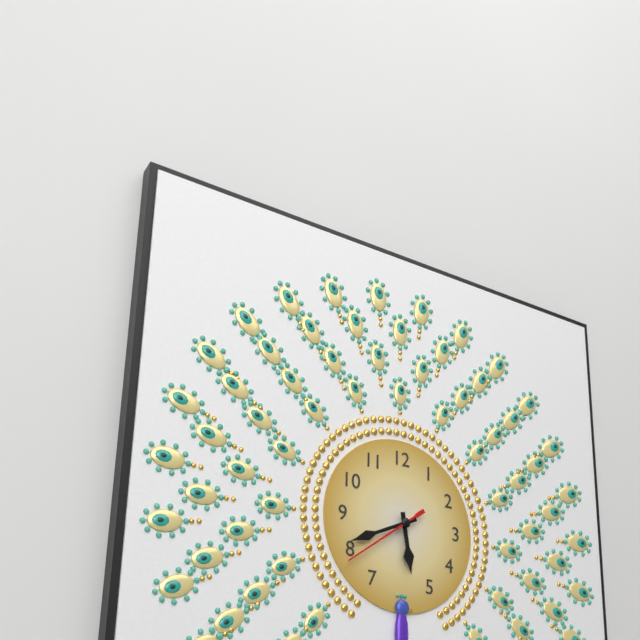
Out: h=5 m=41 s=39
